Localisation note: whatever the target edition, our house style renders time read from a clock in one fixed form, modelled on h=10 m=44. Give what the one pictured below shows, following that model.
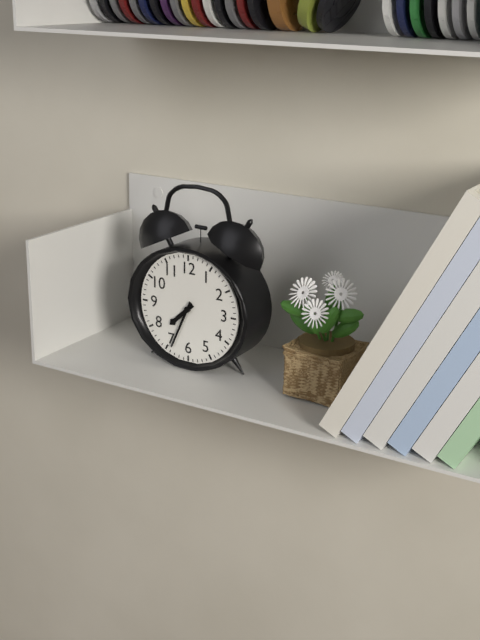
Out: h=7 m=34
